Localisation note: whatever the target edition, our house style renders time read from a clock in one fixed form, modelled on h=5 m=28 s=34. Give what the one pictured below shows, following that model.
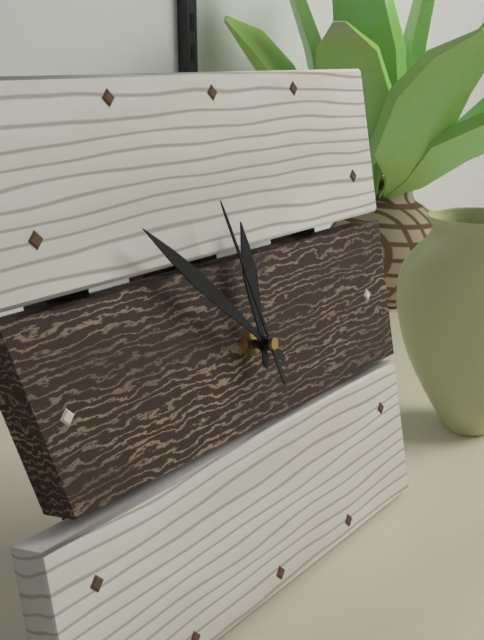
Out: h=11 m=52 s=57
